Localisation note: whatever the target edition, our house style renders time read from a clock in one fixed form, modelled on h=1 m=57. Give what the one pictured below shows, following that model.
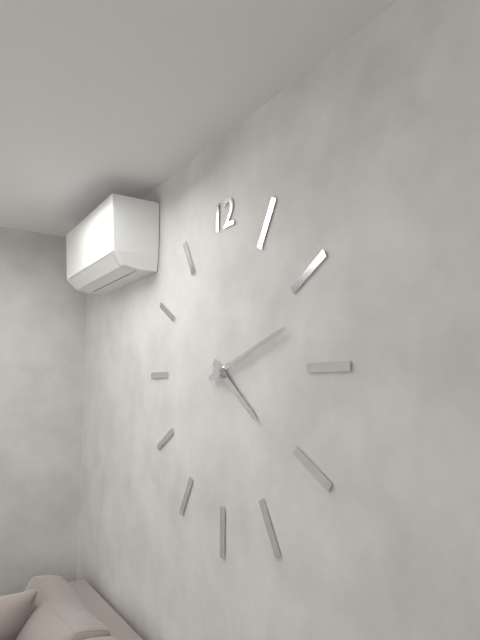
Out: h=4 m=12
